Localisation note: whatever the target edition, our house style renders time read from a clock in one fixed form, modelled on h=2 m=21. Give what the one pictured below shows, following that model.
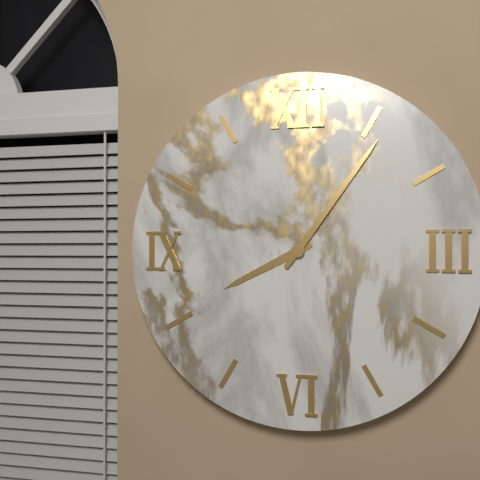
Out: h=8 m=6
